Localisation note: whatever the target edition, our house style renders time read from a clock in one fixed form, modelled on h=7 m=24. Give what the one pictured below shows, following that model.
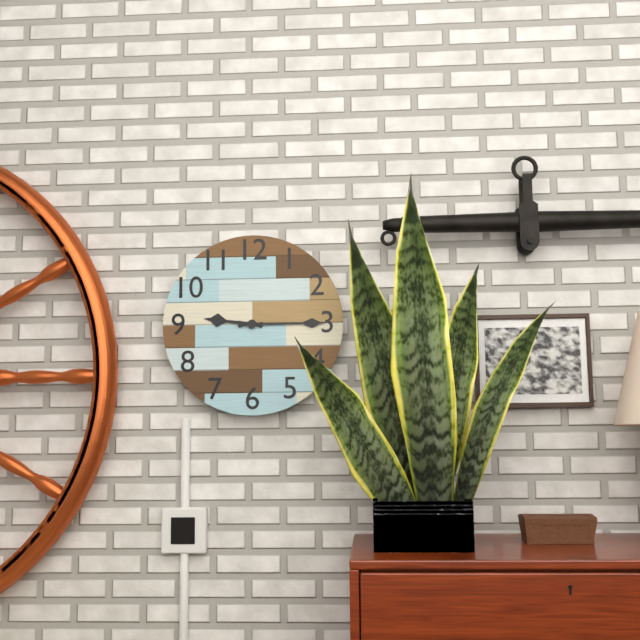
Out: h=9 m=15
